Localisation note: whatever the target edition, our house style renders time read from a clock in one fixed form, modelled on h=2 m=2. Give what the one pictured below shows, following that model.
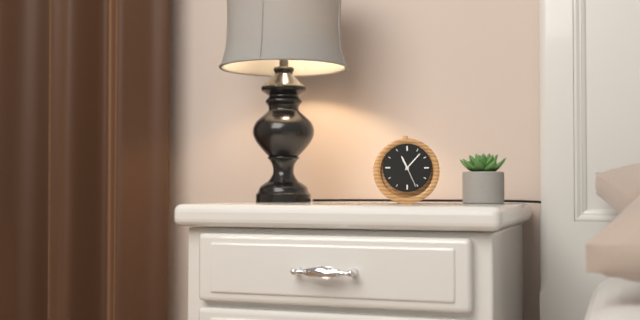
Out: h=11 m=7
